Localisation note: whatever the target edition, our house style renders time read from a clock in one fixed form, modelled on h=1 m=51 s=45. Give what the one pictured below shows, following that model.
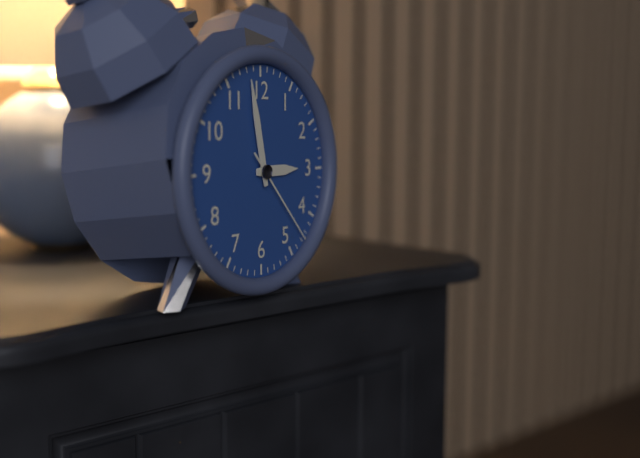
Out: h=2 m=58 s=23
